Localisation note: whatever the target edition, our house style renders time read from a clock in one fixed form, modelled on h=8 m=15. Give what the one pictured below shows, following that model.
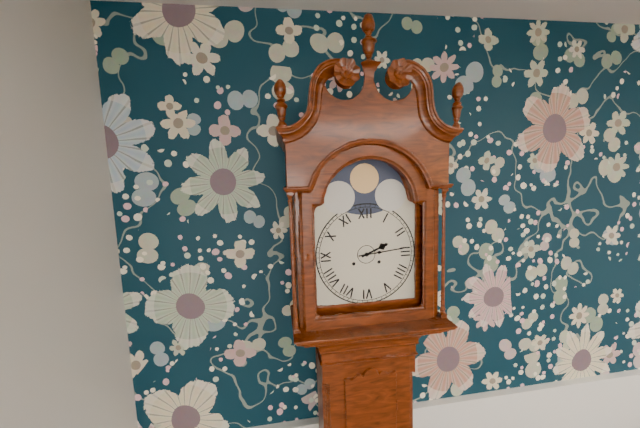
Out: h=2 m=14
